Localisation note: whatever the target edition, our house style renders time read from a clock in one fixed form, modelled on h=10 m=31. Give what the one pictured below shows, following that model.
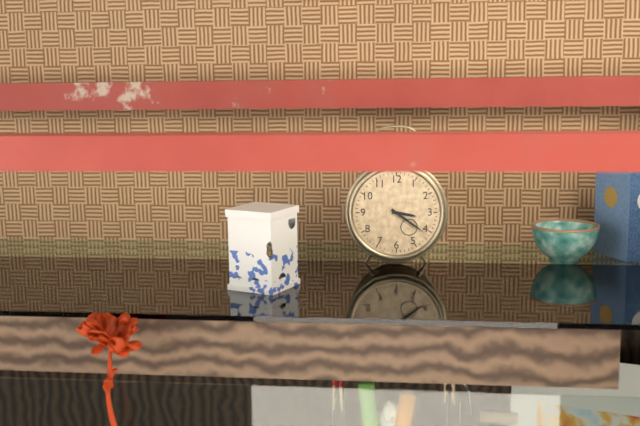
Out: h=3 m=21
